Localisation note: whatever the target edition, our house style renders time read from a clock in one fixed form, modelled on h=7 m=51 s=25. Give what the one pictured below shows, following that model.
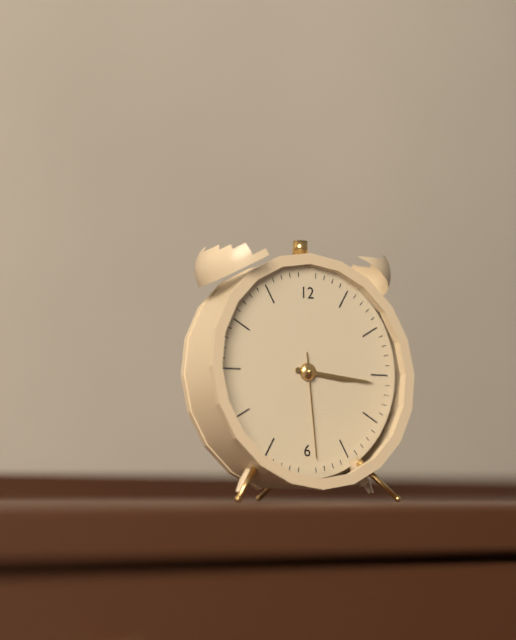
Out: h=3 m=16 s=29
